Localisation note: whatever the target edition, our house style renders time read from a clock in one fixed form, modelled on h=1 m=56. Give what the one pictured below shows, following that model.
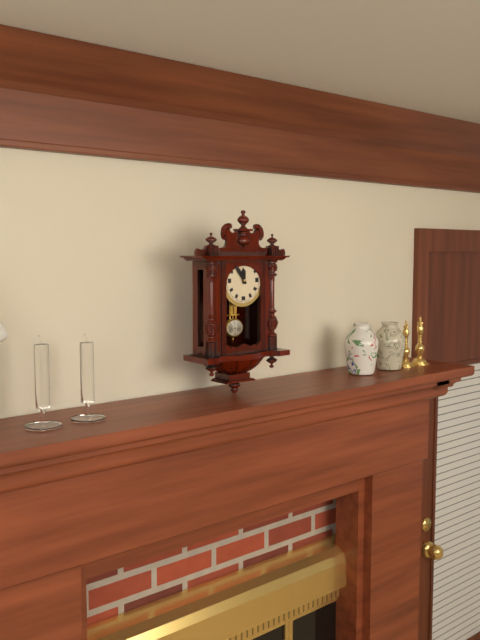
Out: h=11 m=54
